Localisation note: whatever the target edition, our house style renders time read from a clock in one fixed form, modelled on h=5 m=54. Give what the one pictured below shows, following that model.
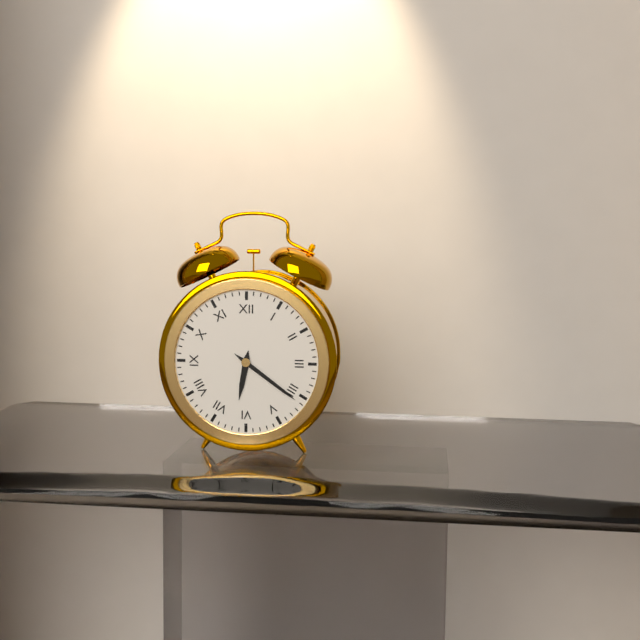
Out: h=6 m=21
